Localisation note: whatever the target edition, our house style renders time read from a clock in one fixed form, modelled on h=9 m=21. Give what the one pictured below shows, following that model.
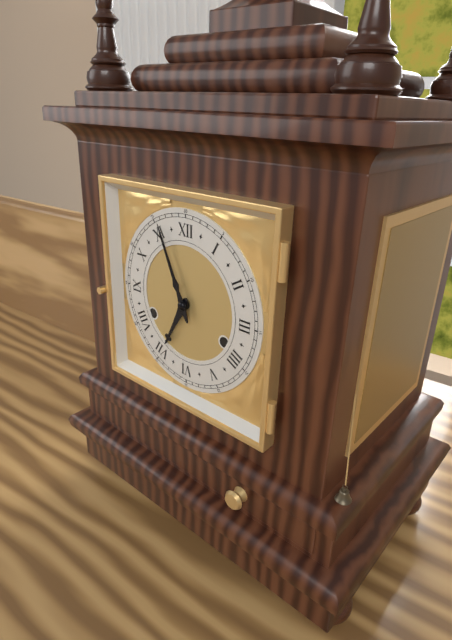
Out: h=6 m=56
